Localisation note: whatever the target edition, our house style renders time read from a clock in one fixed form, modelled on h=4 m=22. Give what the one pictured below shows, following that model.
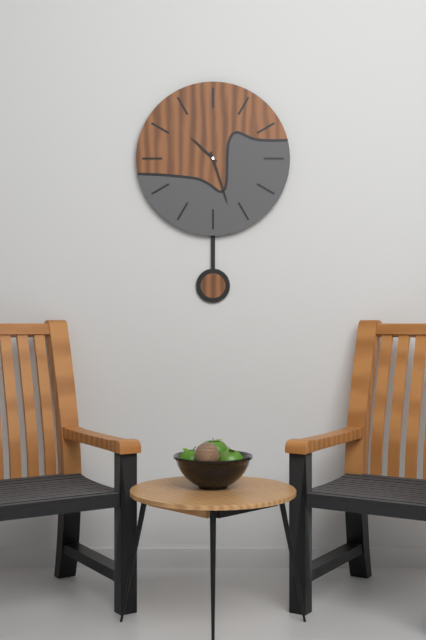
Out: h=10 m=27
